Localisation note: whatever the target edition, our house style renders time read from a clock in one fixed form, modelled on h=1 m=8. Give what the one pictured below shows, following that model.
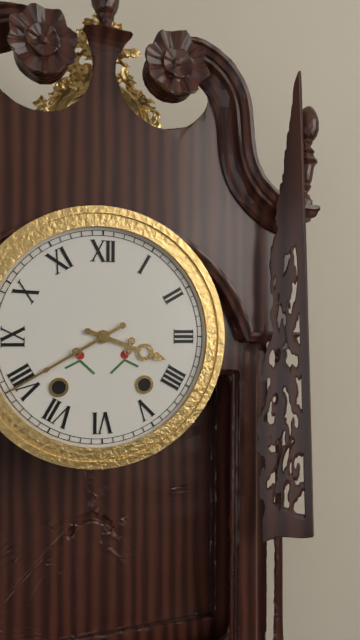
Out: h=3 m=40
